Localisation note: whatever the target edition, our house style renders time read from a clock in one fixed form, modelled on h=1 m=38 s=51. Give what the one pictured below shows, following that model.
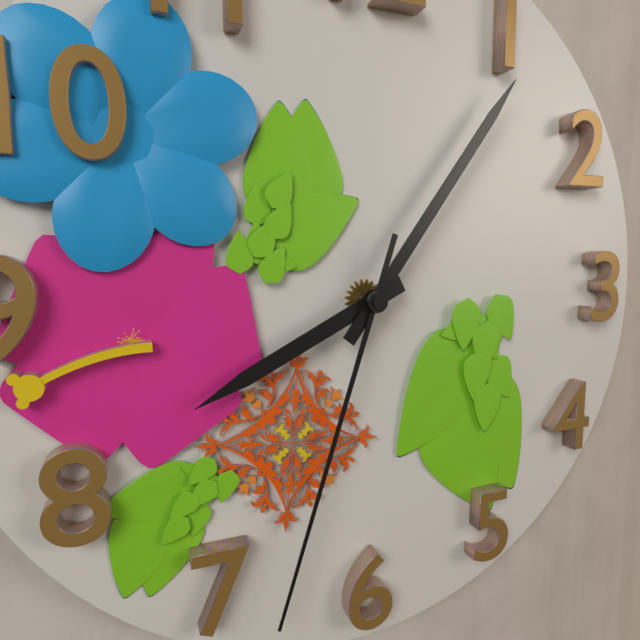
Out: h=8 m=6 s=33
